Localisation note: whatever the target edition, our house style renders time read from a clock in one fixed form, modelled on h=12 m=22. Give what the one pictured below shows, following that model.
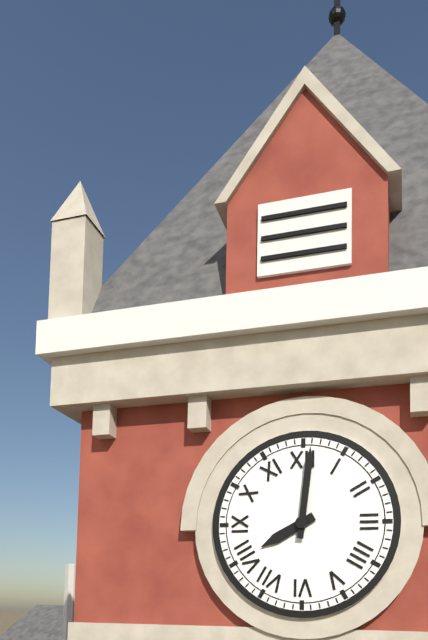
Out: h=8 m=1
